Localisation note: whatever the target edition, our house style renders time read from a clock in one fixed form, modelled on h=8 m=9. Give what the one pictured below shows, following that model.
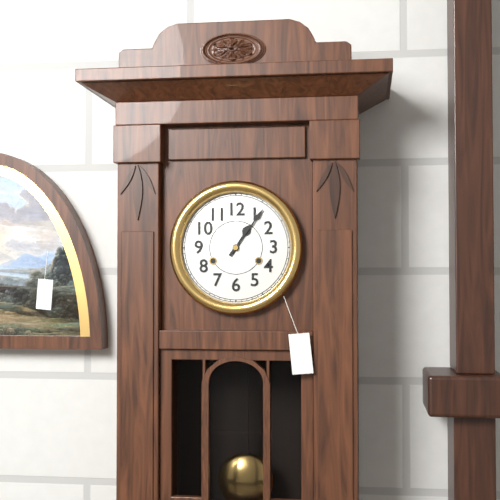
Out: h=1 m=6
